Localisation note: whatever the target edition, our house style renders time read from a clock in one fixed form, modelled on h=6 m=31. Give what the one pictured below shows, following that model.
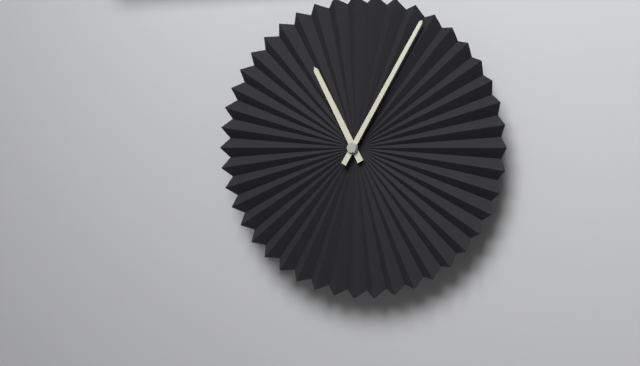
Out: h=11 m=5
